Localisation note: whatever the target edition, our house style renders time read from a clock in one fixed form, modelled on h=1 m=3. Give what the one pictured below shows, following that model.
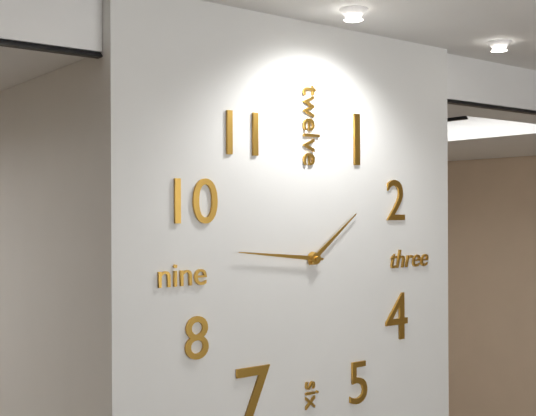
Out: h=1 m=46
